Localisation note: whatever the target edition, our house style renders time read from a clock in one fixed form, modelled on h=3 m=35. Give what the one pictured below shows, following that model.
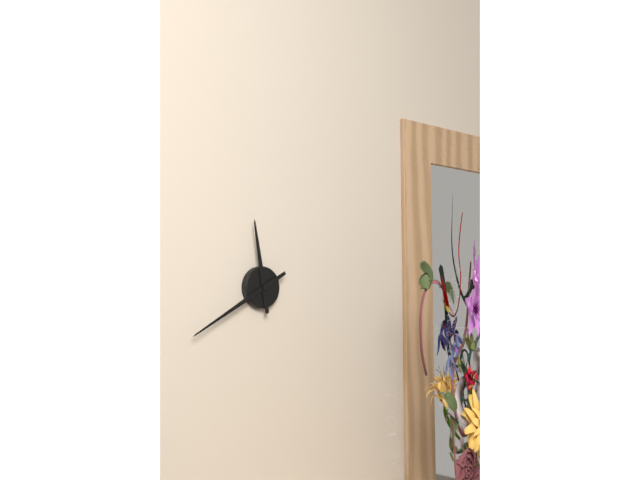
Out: h=11 m=40
